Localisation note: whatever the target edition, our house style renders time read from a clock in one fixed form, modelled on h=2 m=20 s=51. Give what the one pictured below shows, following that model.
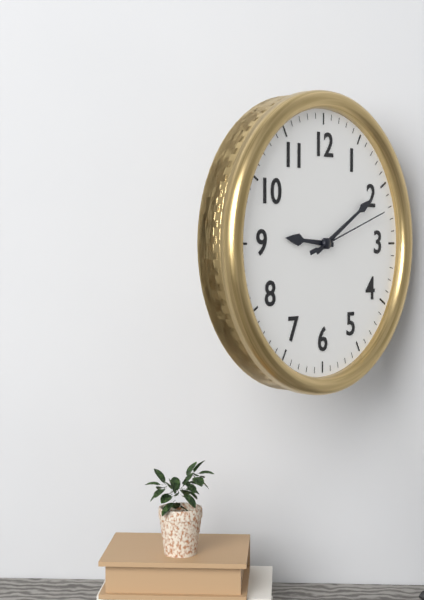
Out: h=9 m=10 s=12
